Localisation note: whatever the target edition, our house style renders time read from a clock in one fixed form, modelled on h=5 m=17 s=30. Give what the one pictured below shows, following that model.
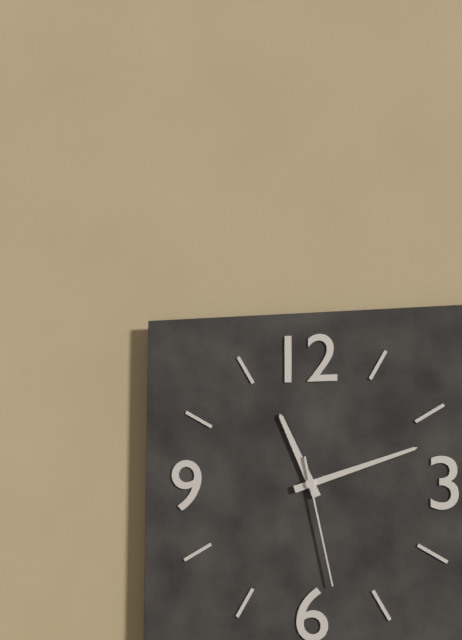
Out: h=11 m=12 s=28
